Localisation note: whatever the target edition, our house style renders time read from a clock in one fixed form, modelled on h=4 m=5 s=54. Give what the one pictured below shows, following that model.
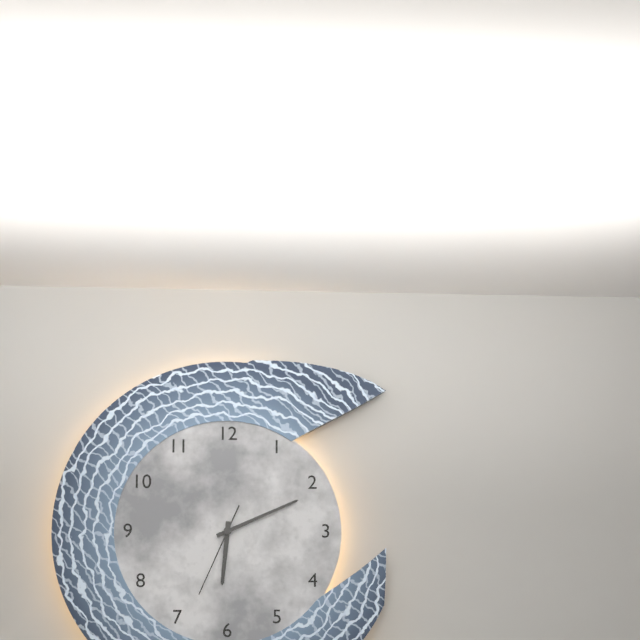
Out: h=6 m=11 s=34
